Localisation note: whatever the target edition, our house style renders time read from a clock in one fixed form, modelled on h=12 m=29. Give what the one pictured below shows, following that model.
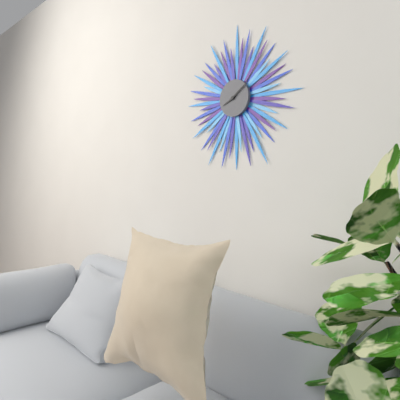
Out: h=8 m=9
